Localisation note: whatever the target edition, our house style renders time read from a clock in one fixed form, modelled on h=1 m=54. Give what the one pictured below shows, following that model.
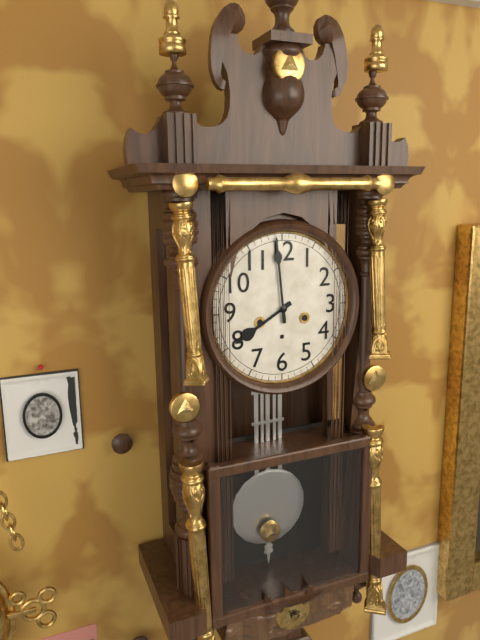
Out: h=7 m=59
